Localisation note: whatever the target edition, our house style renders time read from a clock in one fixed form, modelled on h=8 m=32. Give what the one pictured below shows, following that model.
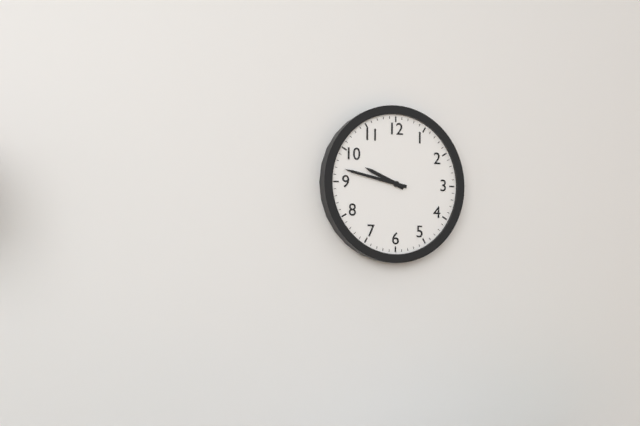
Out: h=9 m=47
